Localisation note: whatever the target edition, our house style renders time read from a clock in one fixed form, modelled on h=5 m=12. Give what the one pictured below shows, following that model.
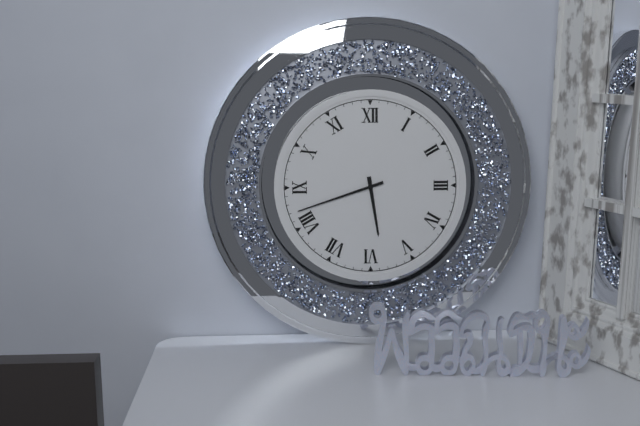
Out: h=5 m=42
